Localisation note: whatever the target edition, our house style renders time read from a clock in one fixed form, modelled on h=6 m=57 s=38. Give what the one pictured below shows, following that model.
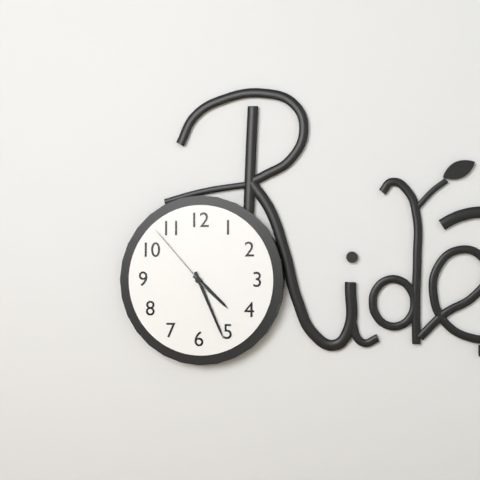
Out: h=4 m=26 s=53
